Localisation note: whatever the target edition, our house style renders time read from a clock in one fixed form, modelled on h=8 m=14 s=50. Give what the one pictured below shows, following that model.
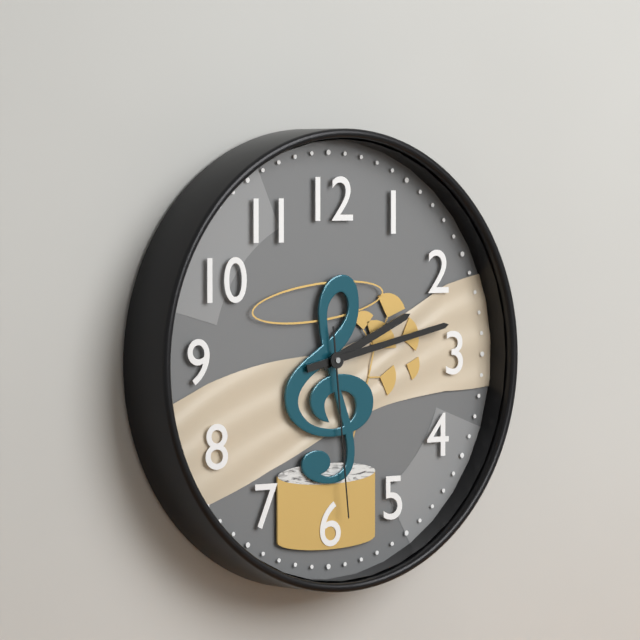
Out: h=2 m=13 s=29
